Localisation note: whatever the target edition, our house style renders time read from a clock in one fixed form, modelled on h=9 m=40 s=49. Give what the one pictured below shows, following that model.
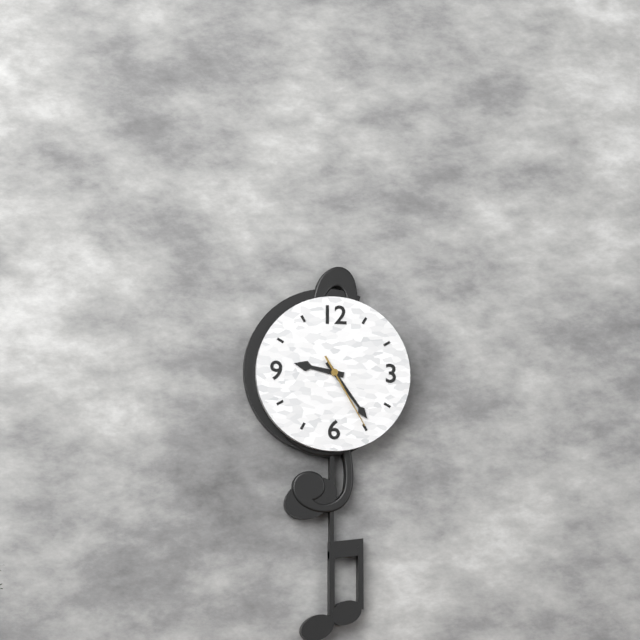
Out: h=9 m=24 s=25
